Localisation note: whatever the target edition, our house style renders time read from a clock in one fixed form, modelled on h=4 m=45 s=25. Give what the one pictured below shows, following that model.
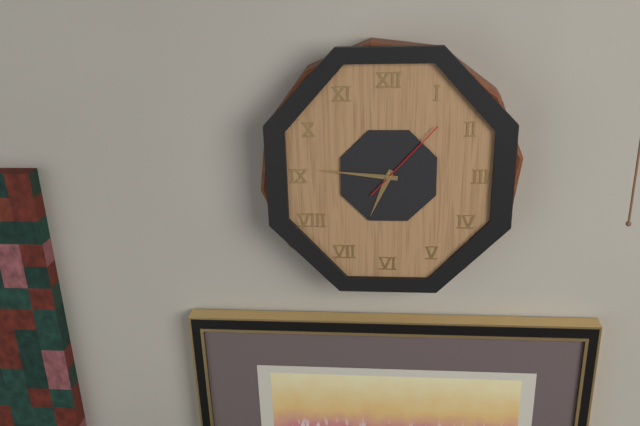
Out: h=6 m=46 s=7
